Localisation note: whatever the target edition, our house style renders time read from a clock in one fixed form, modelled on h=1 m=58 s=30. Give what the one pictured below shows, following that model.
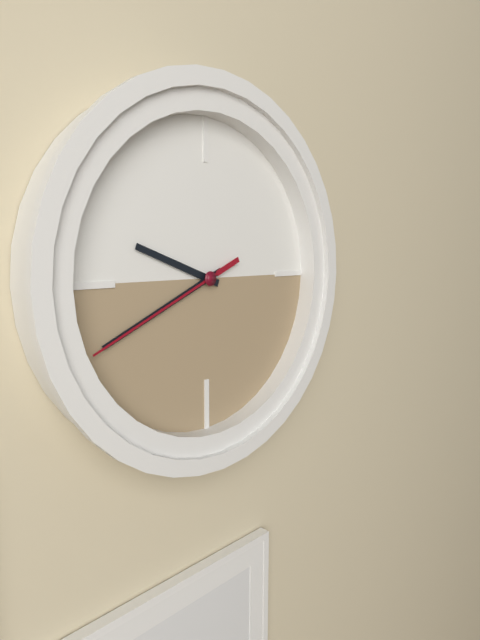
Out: h=9 m=41 s=41
